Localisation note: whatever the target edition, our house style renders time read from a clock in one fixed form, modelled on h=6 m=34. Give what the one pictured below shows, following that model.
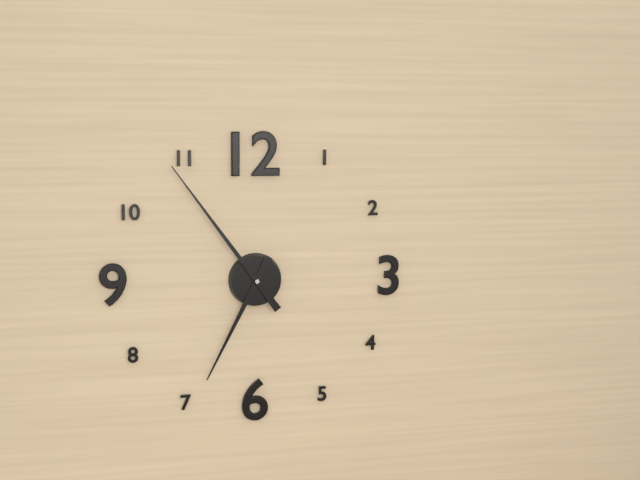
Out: h=6 m=54
